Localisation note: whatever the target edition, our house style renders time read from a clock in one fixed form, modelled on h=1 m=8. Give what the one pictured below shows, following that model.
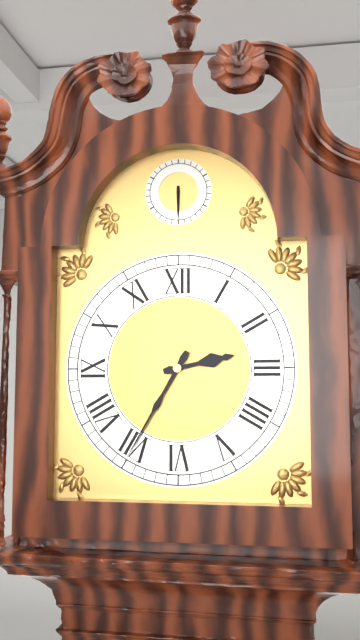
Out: h=2 m=35
